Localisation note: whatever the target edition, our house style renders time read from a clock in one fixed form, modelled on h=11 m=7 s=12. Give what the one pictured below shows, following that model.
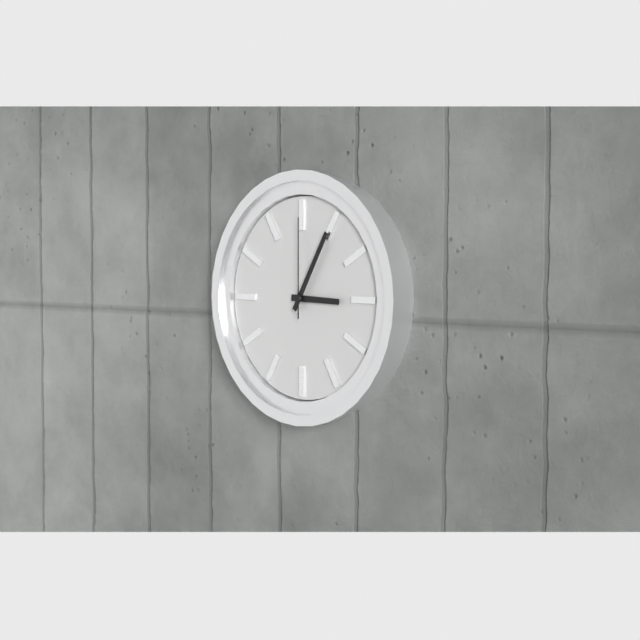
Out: h=3 m=5 s=0
